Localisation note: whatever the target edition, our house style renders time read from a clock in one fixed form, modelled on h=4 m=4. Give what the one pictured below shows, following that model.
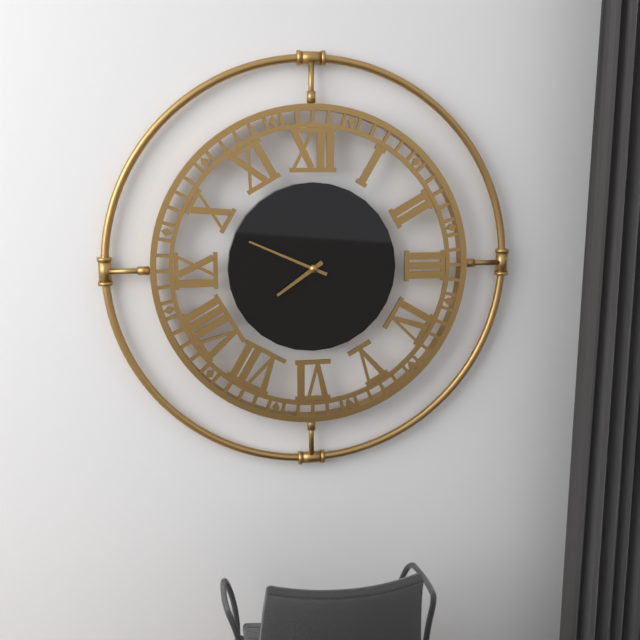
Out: h=7 m=49
